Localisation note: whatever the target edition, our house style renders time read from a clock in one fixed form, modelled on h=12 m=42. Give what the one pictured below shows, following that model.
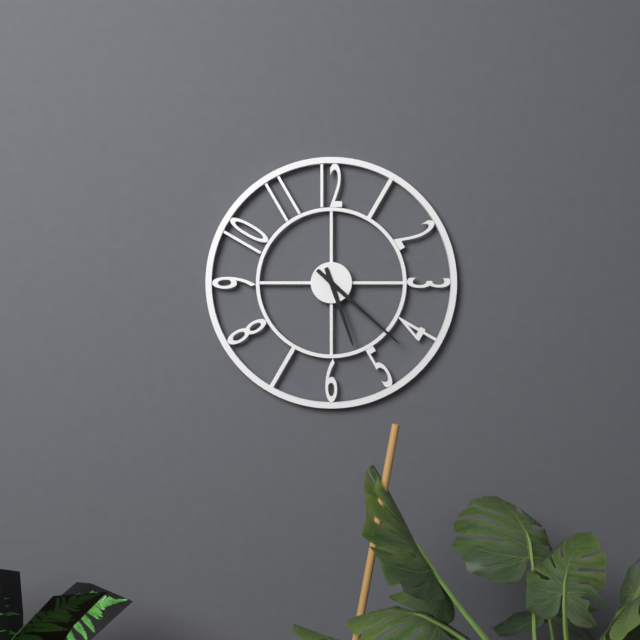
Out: h=5 m=22
